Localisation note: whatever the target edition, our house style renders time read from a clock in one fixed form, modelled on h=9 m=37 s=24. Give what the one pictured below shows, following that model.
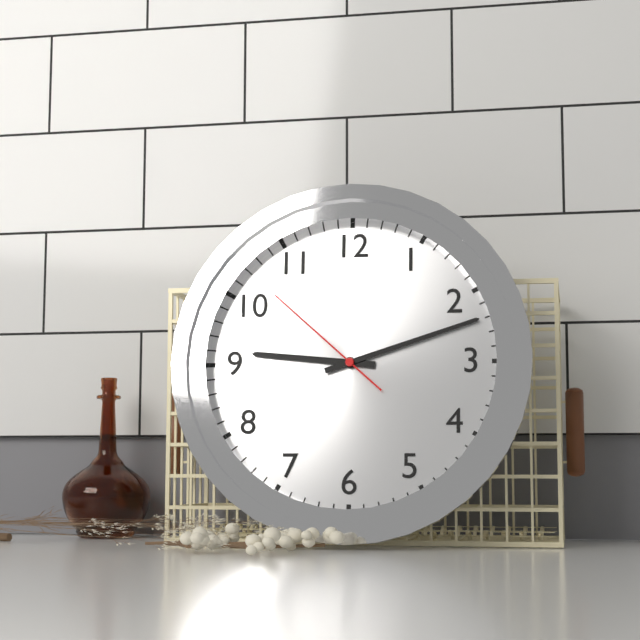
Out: h=9 m=12 s=52
